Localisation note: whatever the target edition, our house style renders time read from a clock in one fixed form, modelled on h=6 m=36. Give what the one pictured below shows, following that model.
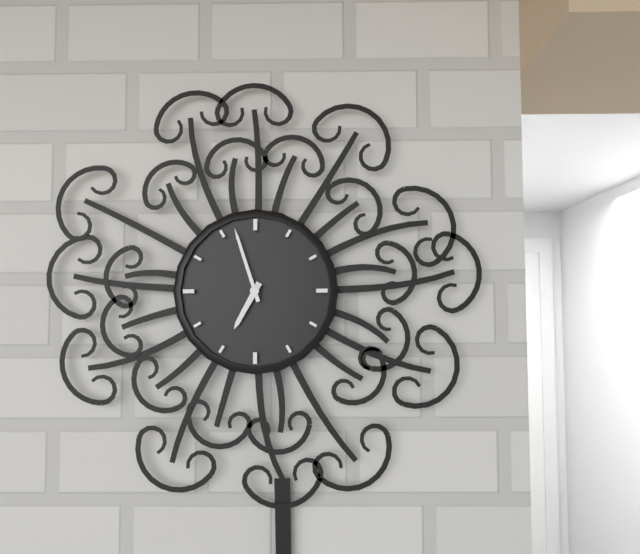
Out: h=6 m=57
